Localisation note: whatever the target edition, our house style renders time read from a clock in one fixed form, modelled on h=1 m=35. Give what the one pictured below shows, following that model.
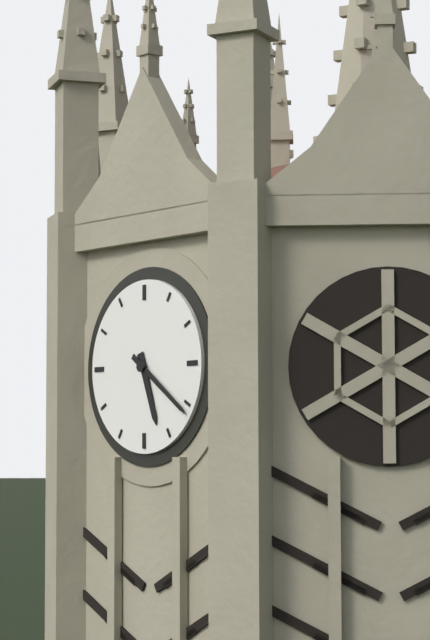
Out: h=5 m=21
